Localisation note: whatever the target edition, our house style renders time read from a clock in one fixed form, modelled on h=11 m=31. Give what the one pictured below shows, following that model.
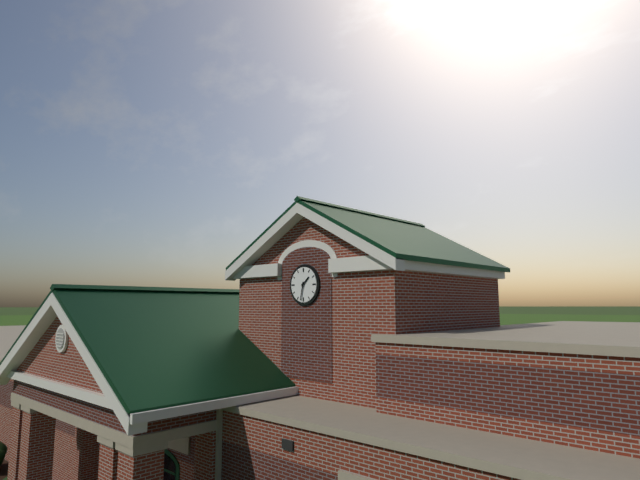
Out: h=1 m=32
